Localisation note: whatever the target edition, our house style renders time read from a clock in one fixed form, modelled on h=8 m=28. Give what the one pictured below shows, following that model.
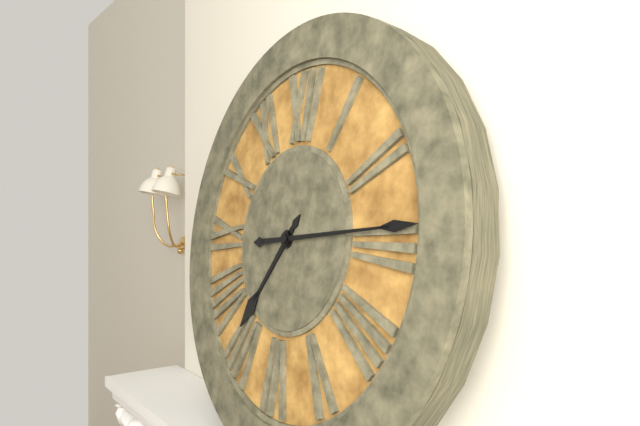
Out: h=7 m=14
